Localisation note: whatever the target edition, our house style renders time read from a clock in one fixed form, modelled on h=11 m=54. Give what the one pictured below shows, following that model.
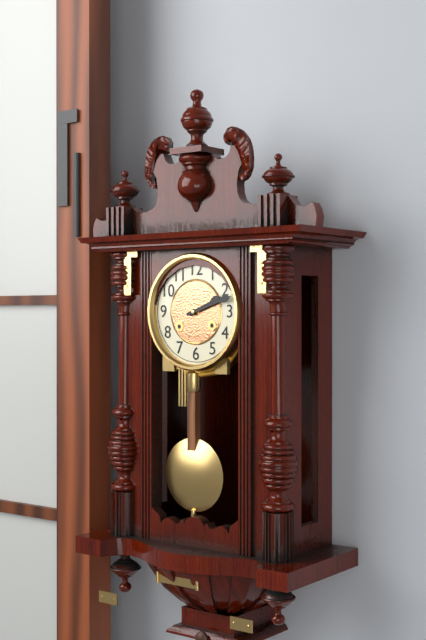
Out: h=2 m=12
